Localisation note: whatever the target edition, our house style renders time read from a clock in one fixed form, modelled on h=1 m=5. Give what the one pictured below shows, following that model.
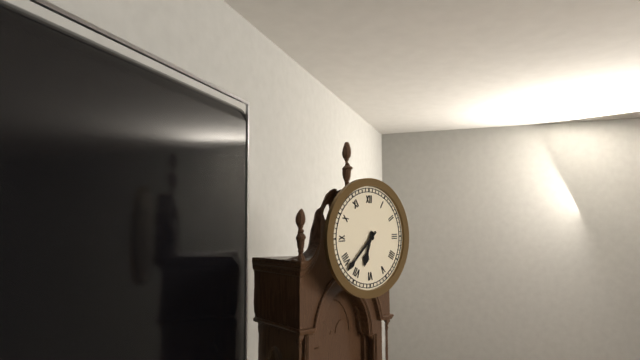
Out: h=6 m=38
